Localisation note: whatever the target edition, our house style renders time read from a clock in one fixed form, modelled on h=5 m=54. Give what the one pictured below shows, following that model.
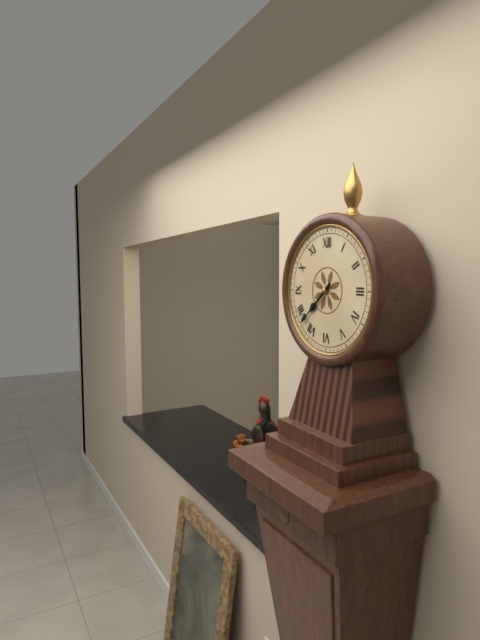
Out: h=7 m=38
